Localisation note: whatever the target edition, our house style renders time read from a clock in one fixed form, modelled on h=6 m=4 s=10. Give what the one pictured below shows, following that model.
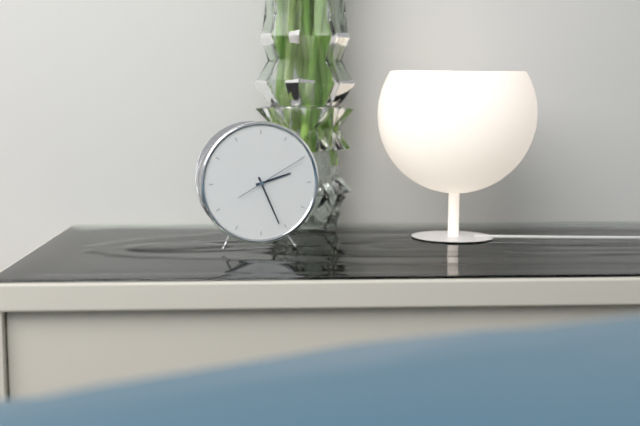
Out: h=2 m=26 s=10
